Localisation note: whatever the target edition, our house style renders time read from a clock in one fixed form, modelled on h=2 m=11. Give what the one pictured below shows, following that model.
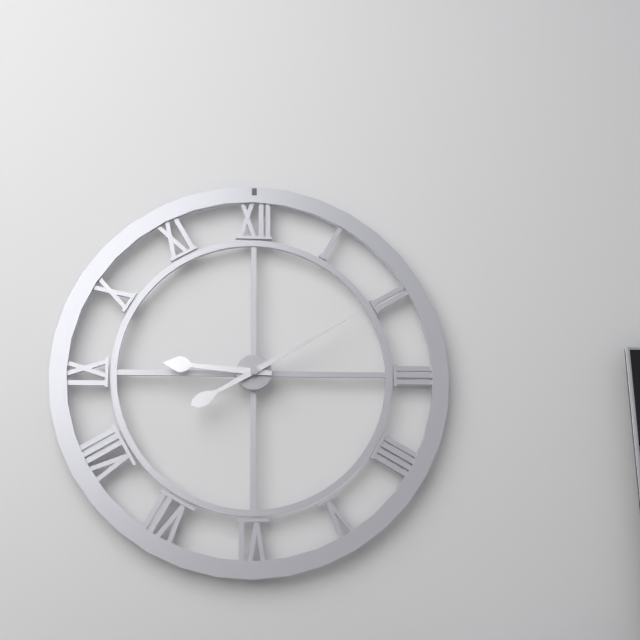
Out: h=9 m=10
